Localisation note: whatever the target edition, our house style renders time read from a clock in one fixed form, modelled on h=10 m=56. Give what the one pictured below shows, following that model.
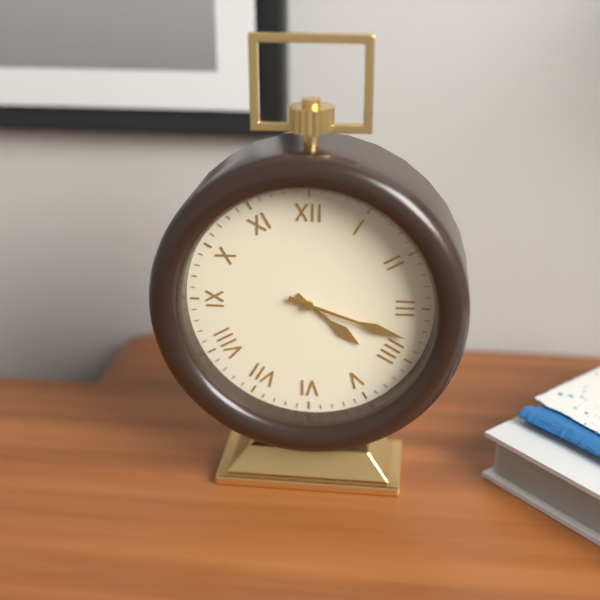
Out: h=4 m=18
